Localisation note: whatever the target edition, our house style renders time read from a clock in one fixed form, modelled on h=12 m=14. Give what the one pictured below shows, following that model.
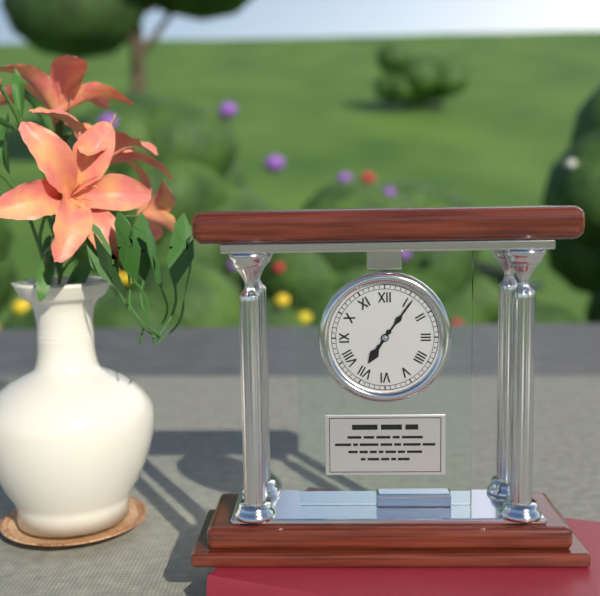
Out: h=7 m=6
